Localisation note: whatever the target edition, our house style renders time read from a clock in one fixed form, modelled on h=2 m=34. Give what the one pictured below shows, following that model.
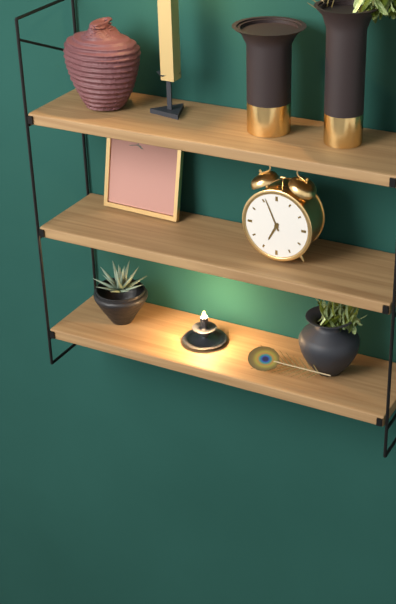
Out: h=6 m=56
